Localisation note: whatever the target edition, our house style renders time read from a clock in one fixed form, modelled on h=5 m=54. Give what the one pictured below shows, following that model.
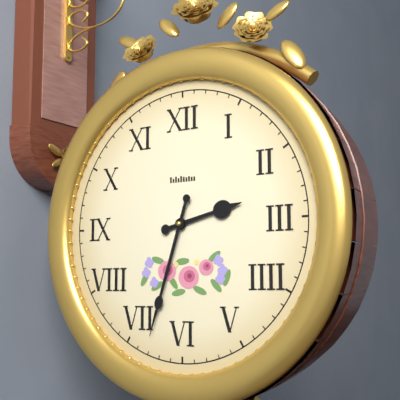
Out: h=2 m=33
